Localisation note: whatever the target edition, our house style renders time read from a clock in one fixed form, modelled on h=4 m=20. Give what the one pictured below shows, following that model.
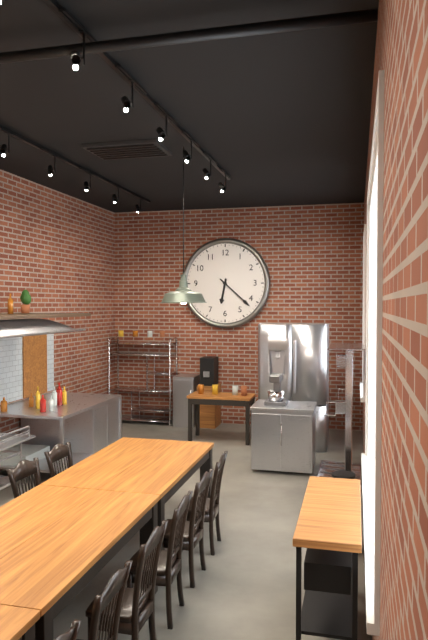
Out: h=6 m=22
